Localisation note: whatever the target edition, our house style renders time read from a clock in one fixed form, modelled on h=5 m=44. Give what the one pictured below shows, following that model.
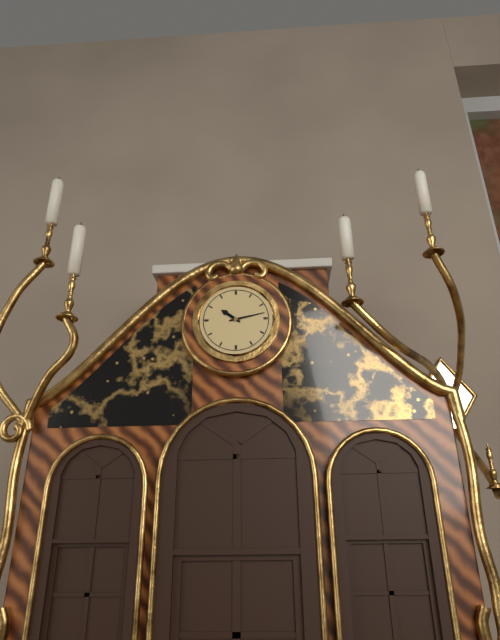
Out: h=10 m=13
